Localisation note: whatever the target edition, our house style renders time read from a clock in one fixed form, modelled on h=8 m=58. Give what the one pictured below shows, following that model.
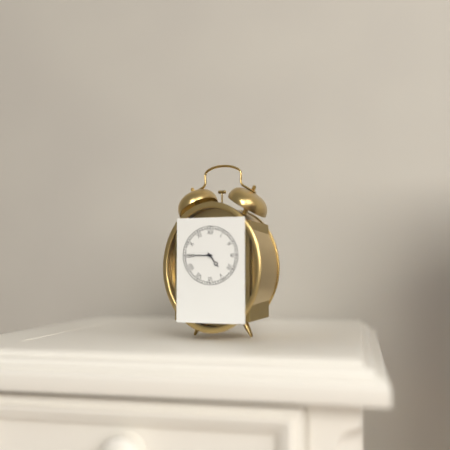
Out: h=4 m=45
